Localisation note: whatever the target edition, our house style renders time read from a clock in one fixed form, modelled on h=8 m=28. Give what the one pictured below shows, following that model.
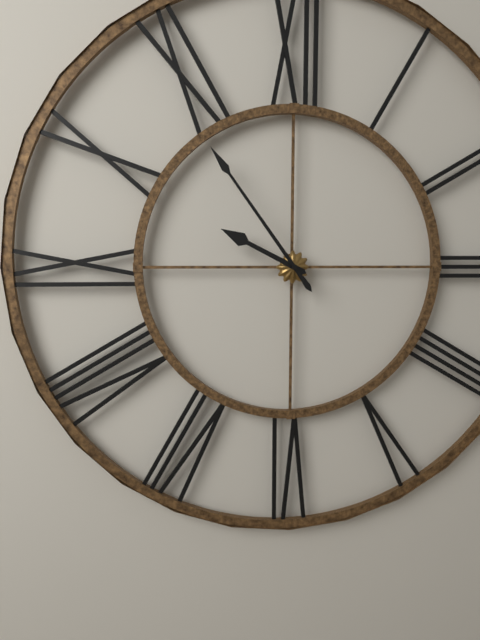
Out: h=9 m=54
